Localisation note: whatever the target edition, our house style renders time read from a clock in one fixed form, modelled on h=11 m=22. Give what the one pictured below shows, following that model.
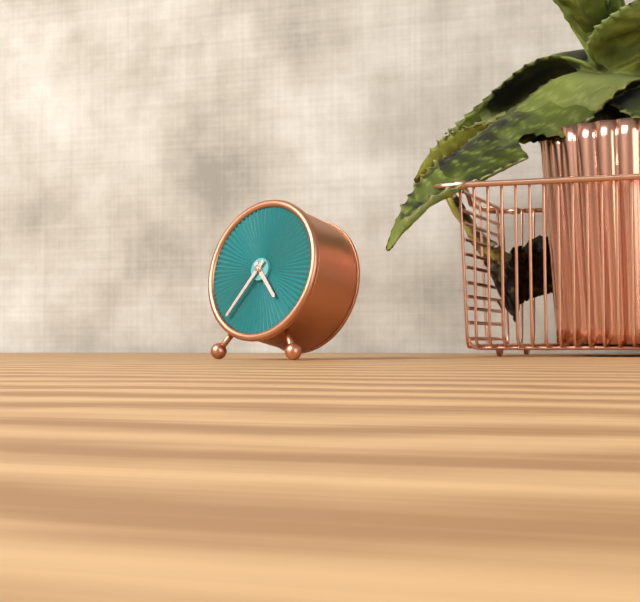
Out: h=4 m=36
